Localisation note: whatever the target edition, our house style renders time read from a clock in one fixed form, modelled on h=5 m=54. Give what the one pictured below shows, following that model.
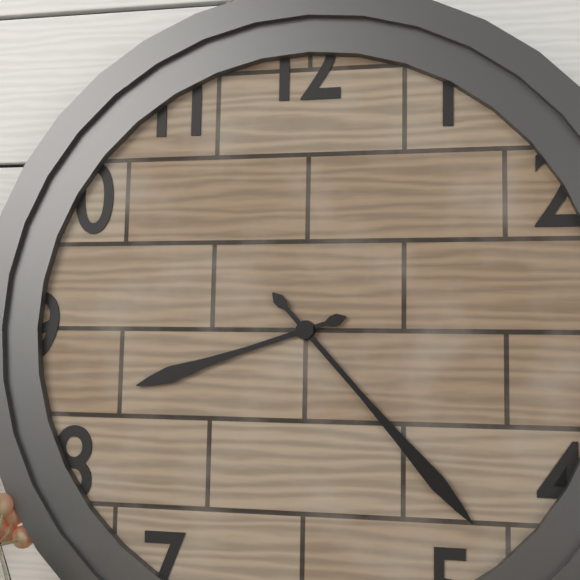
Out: h=8 m=23
